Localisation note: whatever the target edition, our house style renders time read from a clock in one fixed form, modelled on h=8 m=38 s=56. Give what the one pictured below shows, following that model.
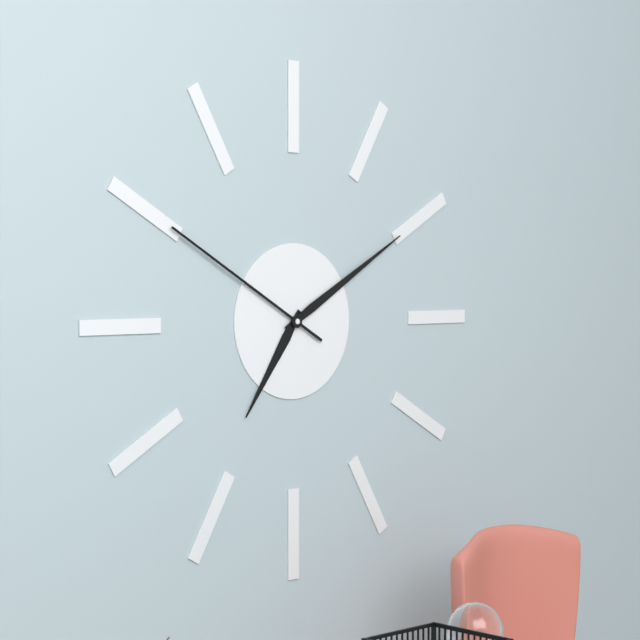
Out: h=7 m=10 s=50
